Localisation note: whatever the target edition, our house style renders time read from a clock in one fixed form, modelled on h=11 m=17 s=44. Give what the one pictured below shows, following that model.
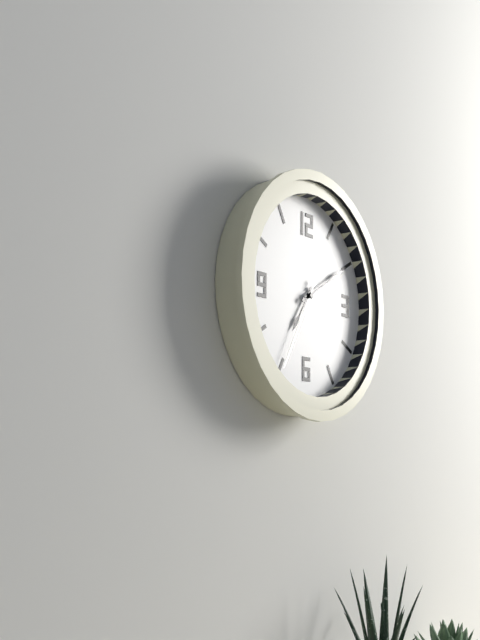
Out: h=7 m=10 s=35
